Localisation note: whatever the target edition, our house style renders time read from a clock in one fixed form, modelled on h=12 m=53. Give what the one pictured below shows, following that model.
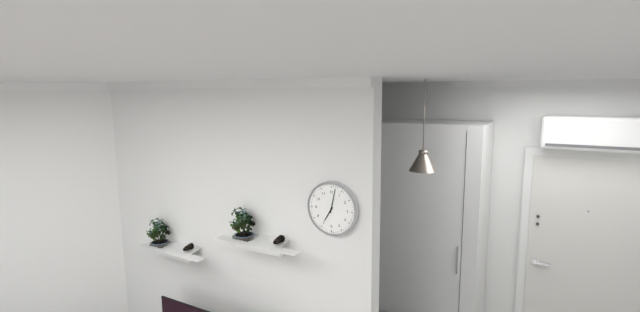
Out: h=7 m=2
